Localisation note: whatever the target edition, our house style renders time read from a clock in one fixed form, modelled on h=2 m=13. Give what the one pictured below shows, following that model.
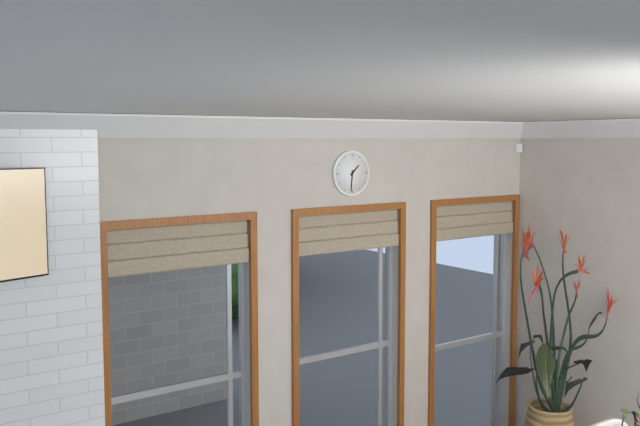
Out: h=1 m=31
